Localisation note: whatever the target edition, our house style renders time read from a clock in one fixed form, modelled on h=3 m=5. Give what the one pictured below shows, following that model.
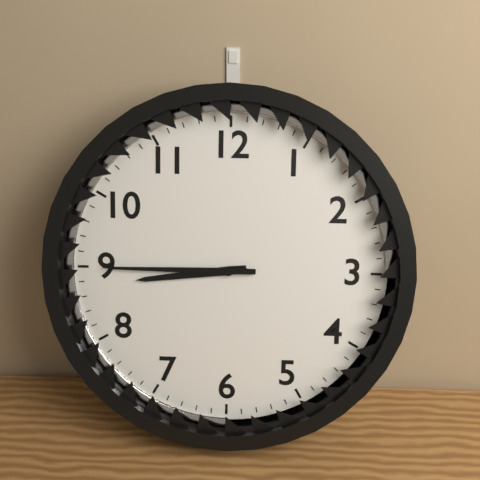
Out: h=8 m=45
